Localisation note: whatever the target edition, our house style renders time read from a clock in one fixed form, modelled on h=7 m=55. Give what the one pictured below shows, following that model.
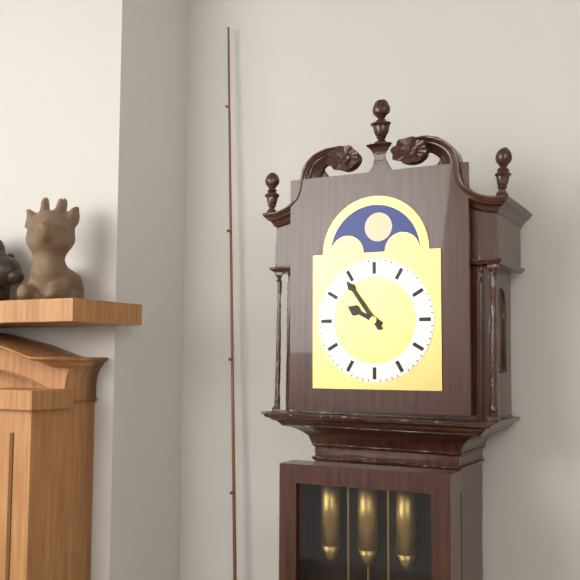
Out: h=9 m=54
